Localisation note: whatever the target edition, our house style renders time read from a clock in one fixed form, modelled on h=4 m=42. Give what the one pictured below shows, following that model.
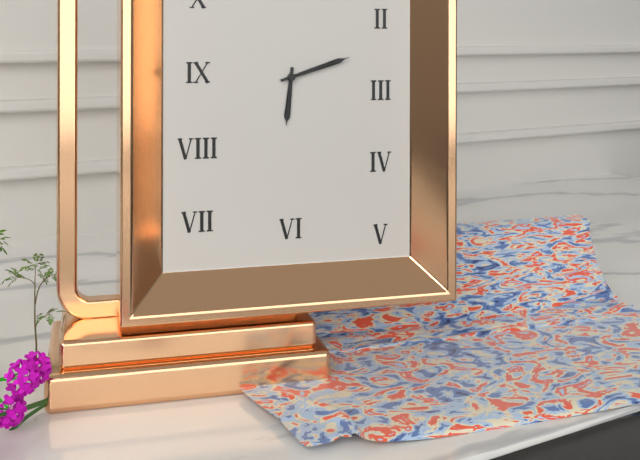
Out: h=6 m=12
